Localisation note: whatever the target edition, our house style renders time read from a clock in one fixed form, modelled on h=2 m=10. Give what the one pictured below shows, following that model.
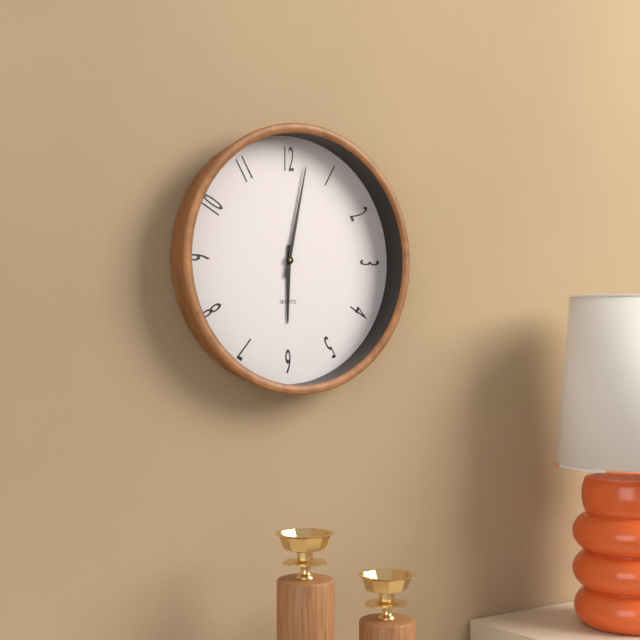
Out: h=6 m=2
